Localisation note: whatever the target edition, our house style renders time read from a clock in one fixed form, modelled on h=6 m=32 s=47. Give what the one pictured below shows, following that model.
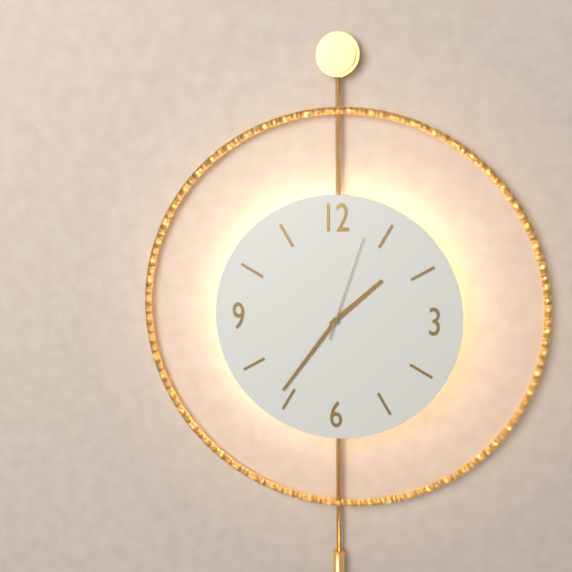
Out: h=1 m=36 s=3
